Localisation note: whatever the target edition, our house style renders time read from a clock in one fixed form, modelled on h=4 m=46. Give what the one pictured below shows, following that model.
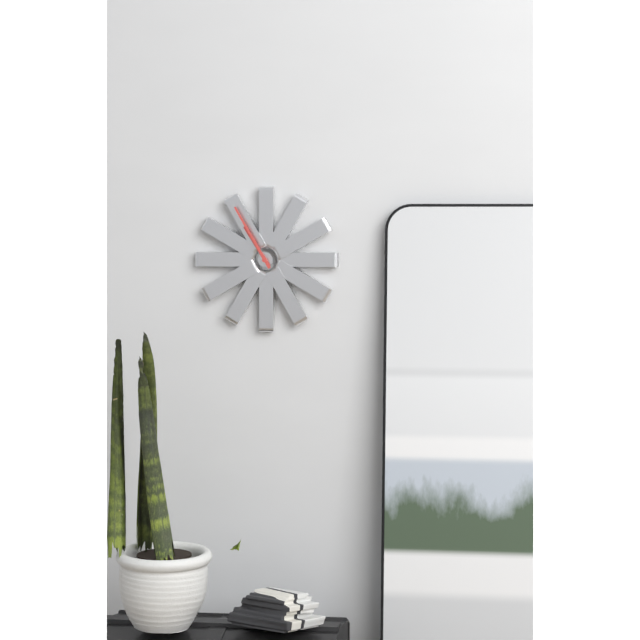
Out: h=10 m=55
